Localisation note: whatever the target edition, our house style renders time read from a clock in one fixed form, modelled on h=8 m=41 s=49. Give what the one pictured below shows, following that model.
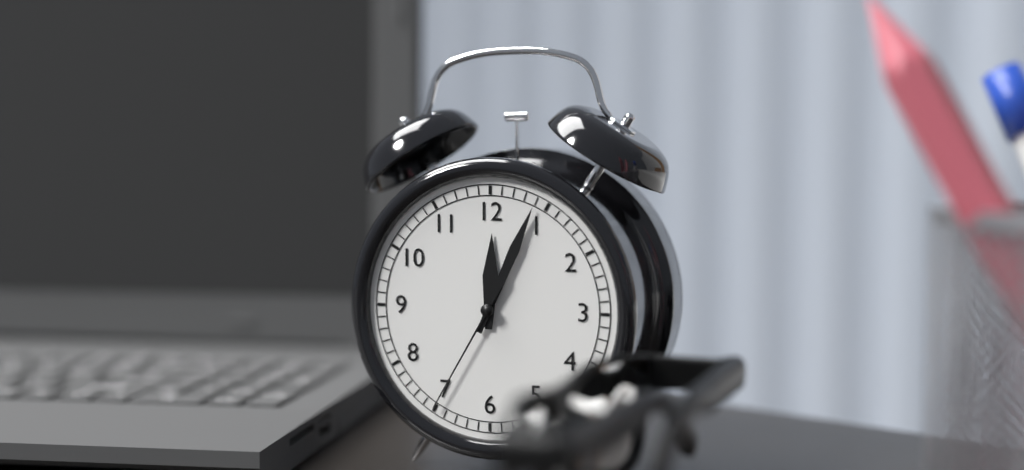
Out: h=12 m=4 s=35
